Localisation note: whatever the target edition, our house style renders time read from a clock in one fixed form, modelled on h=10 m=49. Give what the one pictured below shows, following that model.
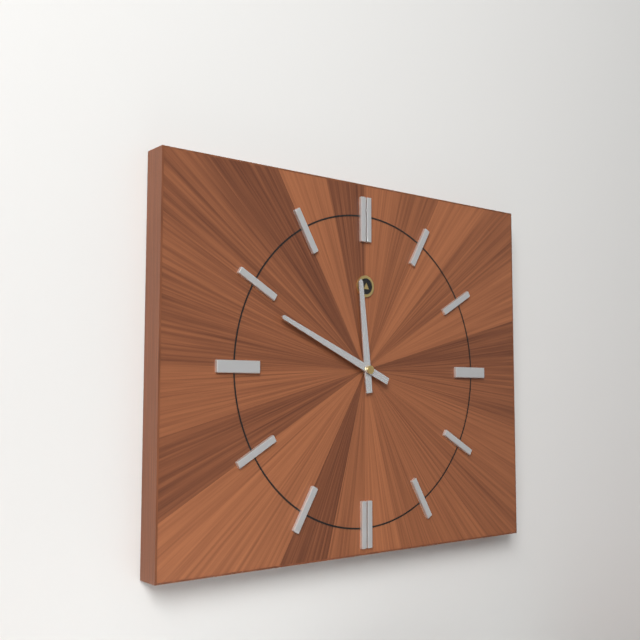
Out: h=11 m=49
